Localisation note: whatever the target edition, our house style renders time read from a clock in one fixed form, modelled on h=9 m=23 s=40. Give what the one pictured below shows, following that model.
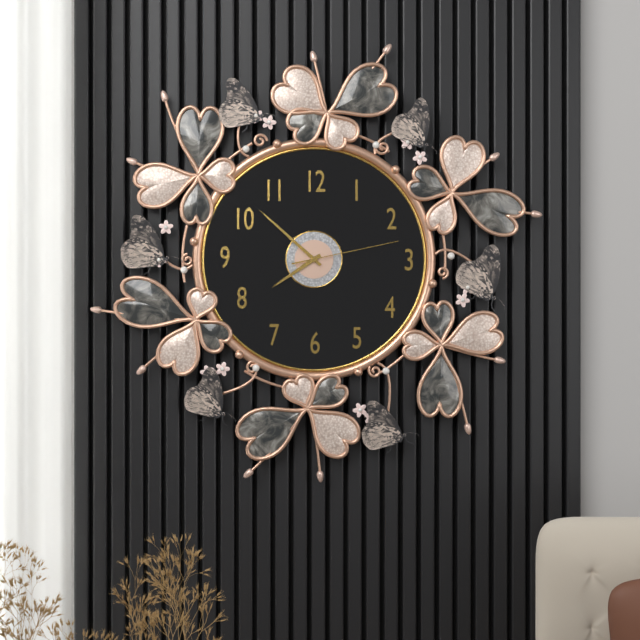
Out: h=7 m=52 s=13
